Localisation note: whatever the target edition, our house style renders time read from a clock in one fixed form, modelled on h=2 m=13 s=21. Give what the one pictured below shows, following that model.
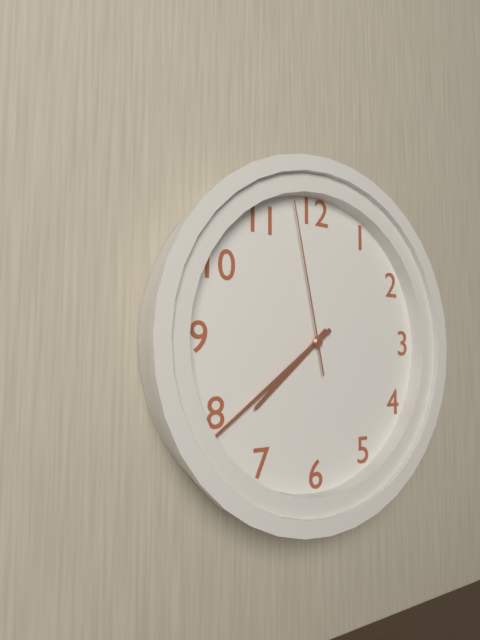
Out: h=7 m=39 s=58
